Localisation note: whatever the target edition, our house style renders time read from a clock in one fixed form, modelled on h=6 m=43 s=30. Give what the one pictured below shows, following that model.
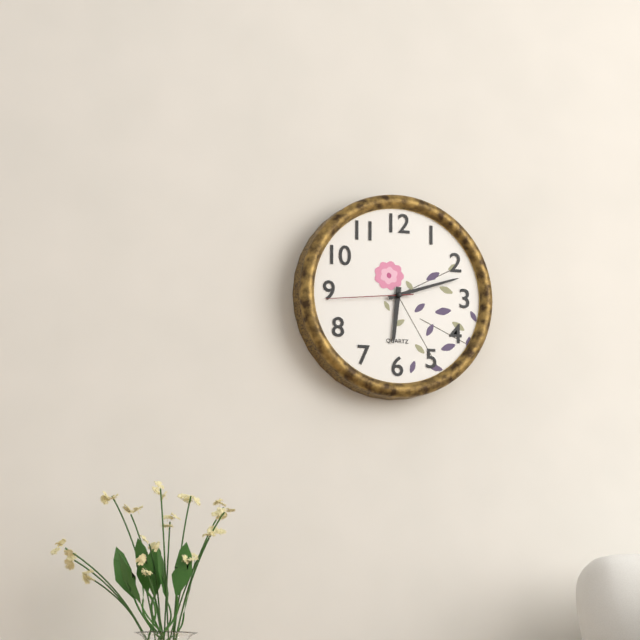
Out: h=6 m=12 s=44
